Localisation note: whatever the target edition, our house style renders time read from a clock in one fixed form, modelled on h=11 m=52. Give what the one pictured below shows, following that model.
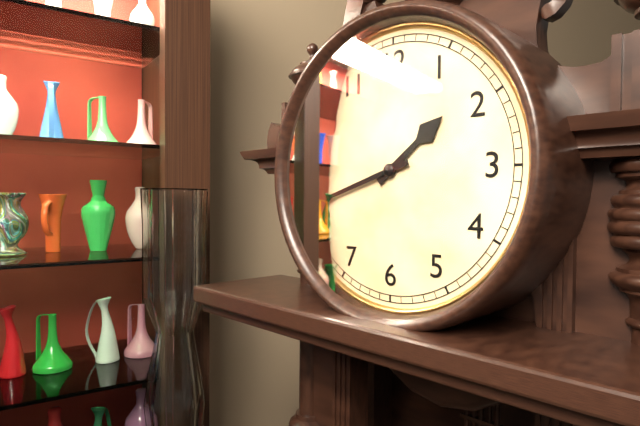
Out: h=1 m=42
